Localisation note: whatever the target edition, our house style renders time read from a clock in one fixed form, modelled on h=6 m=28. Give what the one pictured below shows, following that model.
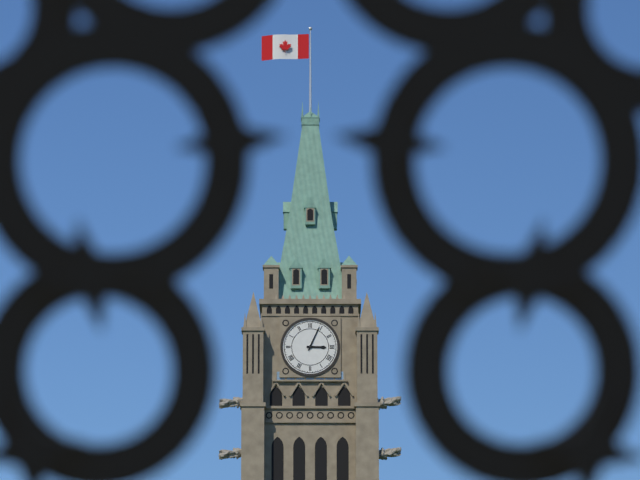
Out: h=3 m=4
